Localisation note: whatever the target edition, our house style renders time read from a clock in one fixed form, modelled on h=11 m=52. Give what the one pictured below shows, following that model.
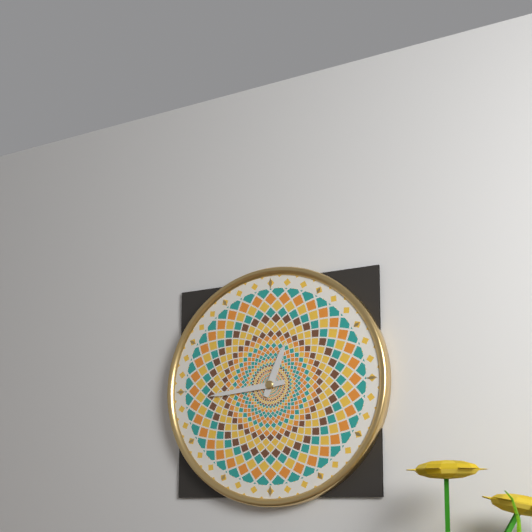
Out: h=12 m=44
